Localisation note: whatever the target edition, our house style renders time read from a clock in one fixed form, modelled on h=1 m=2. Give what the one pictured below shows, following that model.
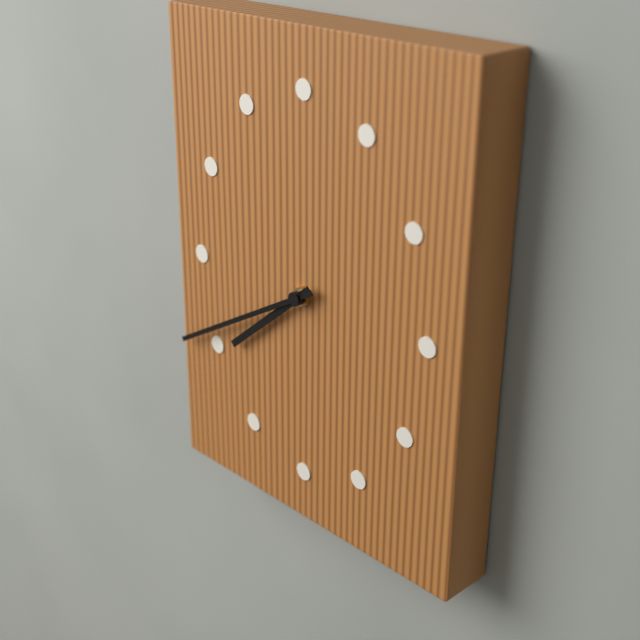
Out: h=7 m=40
